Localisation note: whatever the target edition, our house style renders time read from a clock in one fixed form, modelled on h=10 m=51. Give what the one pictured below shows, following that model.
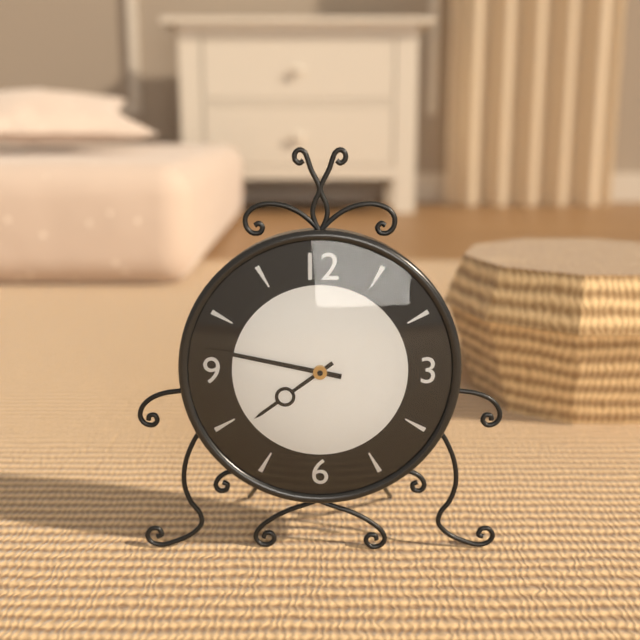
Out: h=7 m=47
